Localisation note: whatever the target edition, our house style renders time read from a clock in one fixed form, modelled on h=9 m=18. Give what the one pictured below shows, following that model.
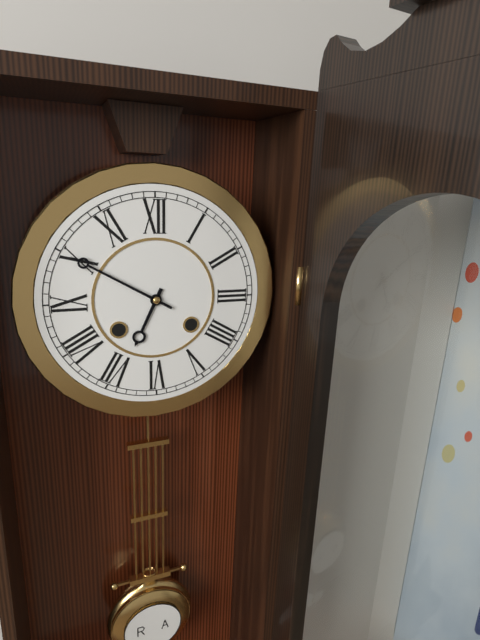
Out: h=6 m=50
